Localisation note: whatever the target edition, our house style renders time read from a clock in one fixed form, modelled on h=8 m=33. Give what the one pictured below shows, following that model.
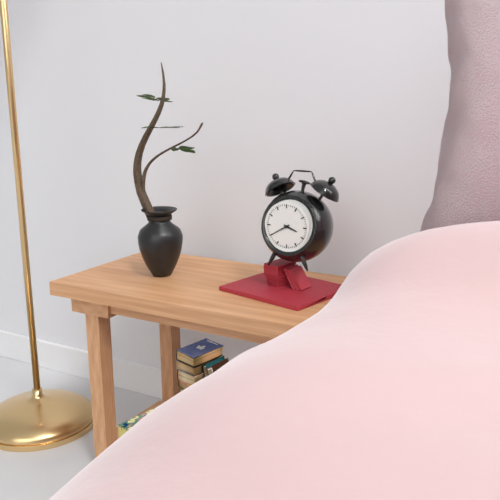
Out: h=3 m=40
